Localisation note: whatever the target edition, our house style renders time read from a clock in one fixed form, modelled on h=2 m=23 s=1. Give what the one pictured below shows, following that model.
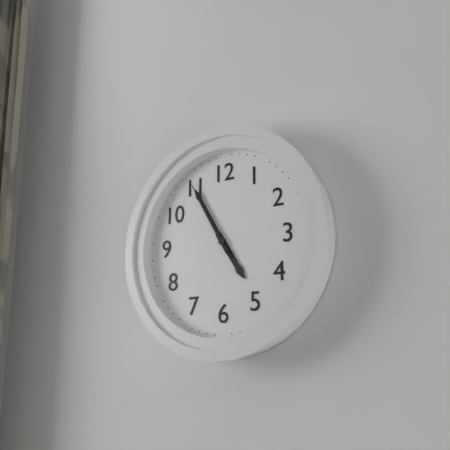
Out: h=4 m=55 s=55
